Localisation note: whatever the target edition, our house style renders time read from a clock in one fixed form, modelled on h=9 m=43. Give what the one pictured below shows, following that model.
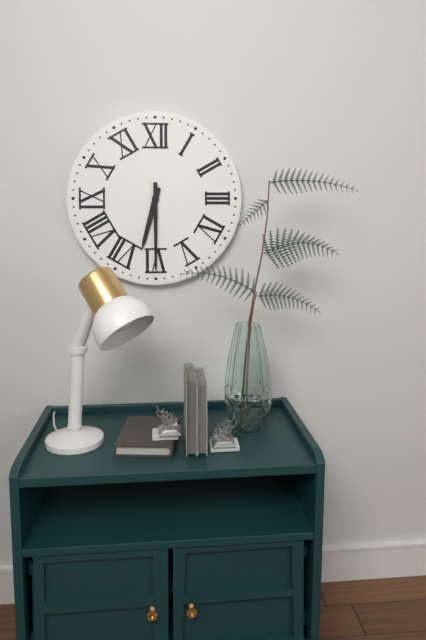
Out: h=6 m=30
